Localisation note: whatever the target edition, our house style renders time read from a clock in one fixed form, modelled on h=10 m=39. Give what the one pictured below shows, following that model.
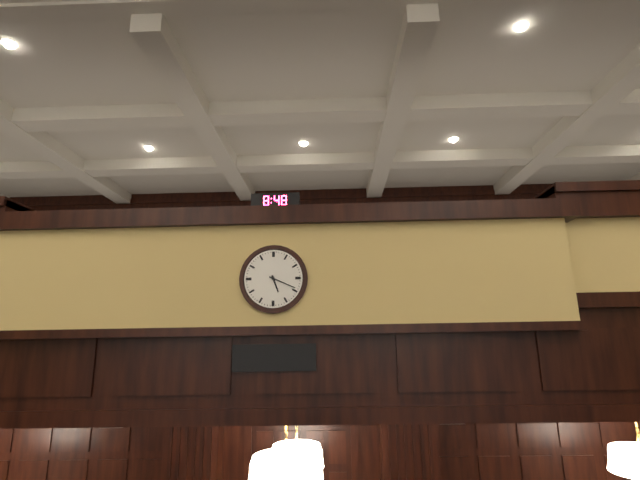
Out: h=5 m=19
